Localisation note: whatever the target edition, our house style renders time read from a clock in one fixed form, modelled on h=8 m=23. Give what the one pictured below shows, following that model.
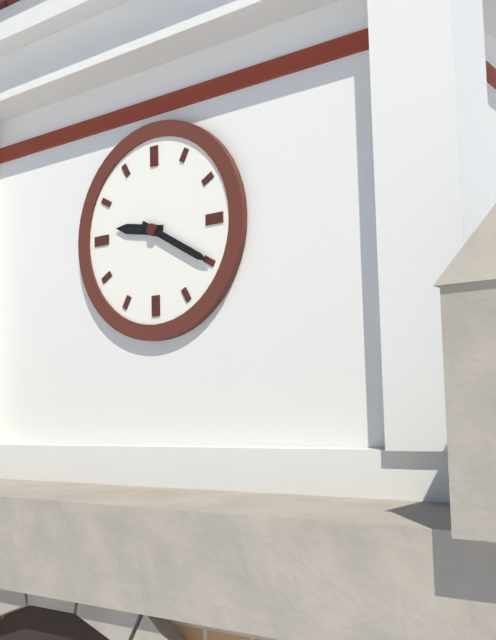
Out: h=9 m=20
